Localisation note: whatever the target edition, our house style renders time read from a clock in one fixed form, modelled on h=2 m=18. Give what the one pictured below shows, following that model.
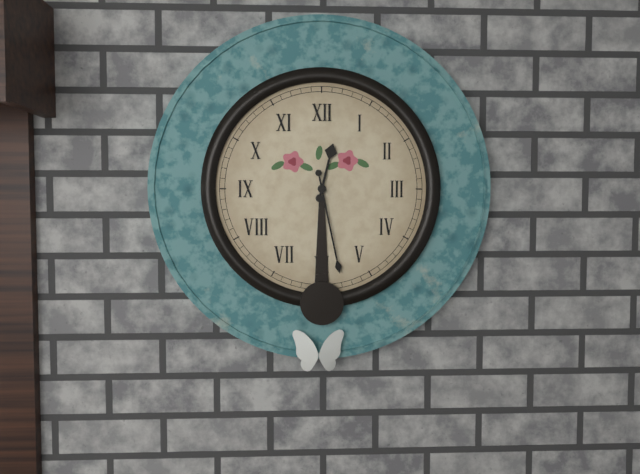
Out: h=12 m=28
